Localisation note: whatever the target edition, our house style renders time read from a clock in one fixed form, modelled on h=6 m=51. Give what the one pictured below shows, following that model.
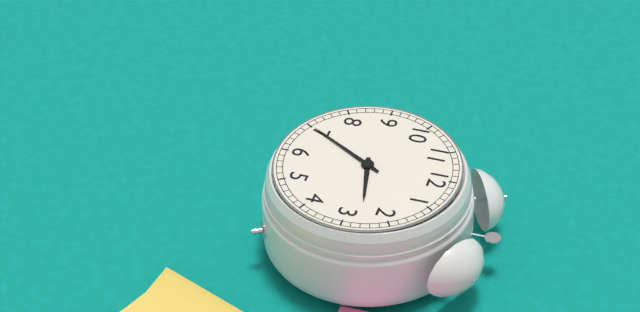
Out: h=2 m=35
